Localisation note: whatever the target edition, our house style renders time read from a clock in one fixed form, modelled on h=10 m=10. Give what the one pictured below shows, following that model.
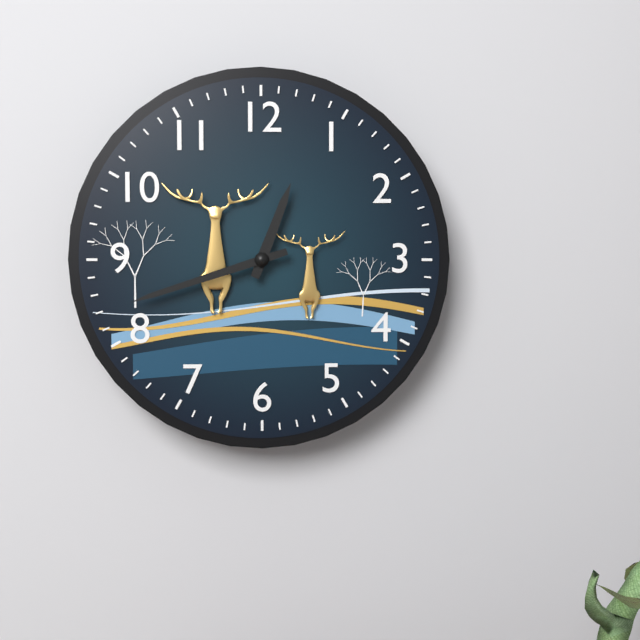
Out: h=12 m=42
